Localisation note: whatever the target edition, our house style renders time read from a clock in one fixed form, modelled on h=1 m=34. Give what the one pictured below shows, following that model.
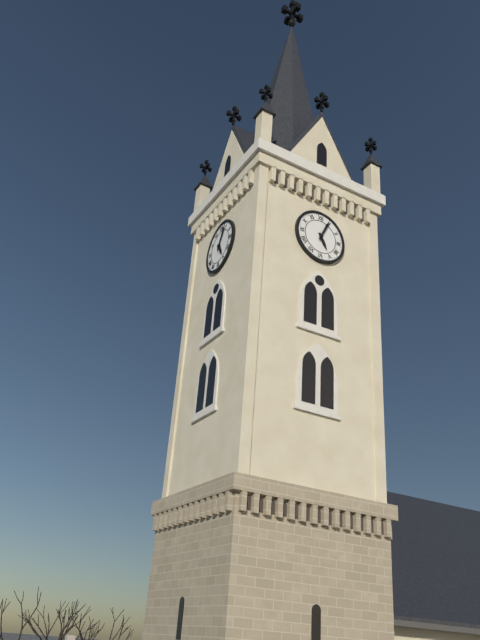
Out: h=5 m=4
